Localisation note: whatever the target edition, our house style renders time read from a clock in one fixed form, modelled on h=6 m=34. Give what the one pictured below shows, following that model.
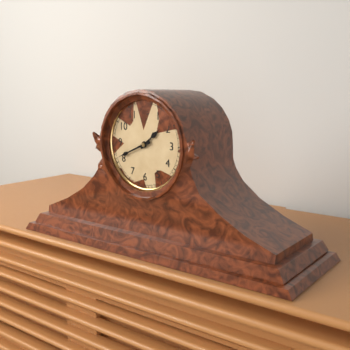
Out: h=1 m=41
